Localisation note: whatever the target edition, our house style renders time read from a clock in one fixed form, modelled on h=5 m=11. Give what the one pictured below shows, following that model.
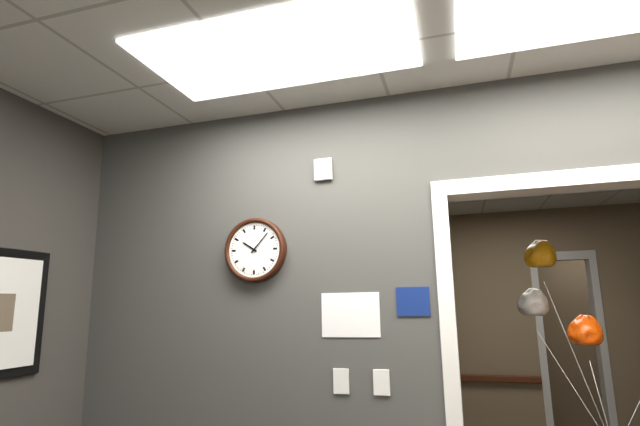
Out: h=10 m=7
